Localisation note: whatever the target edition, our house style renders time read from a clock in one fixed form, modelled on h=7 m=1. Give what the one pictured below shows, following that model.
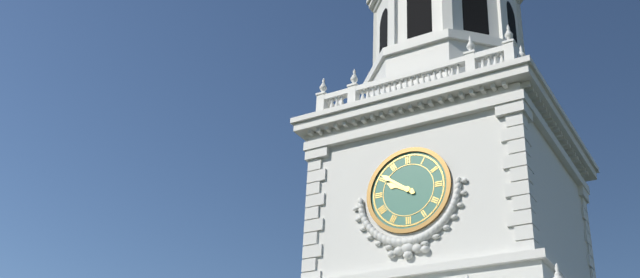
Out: h=9 m=51
